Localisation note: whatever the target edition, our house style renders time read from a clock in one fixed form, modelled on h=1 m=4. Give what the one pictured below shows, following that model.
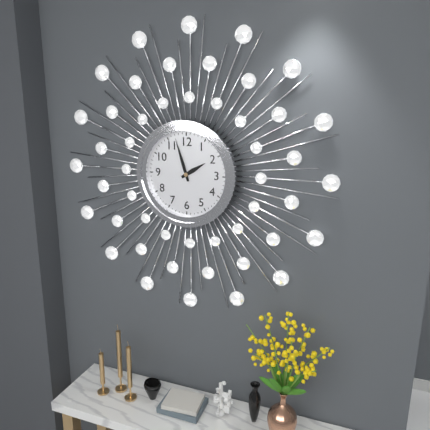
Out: h=1 m=57
